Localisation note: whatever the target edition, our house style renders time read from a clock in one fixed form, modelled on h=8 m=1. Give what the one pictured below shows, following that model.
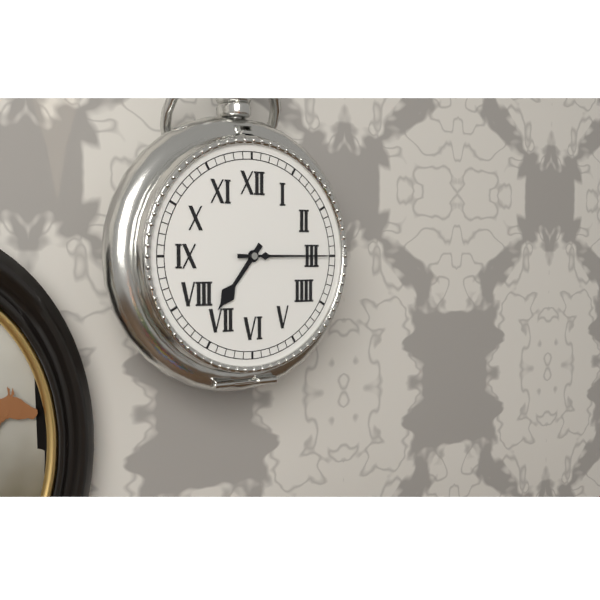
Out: h=7 m=15
